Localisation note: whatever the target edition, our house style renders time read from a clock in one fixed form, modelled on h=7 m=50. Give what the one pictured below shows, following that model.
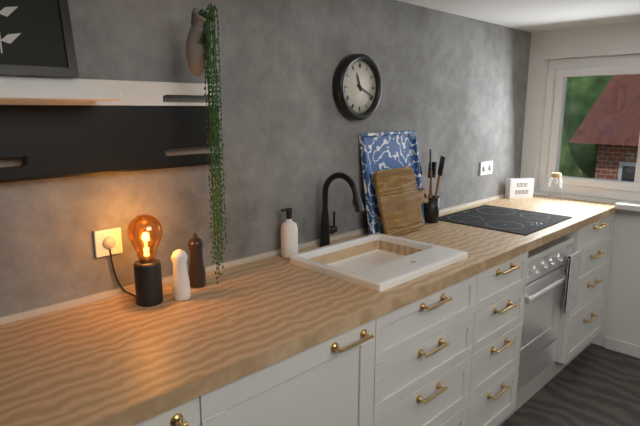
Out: h=11 m=19
